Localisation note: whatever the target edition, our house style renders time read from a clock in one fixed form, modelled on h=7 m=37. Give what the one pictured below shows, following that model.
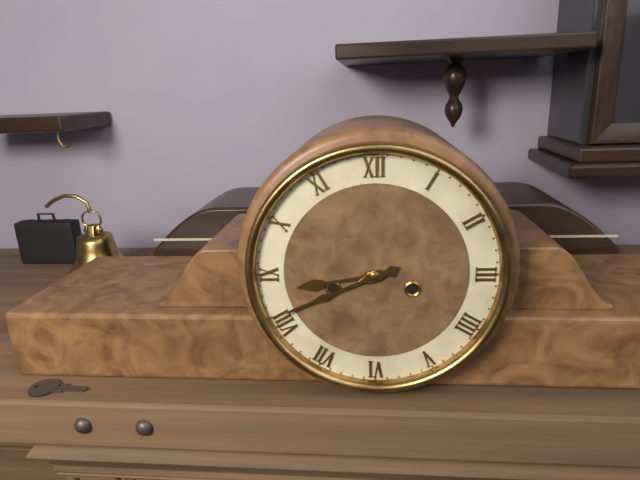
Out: h=8 m=41
